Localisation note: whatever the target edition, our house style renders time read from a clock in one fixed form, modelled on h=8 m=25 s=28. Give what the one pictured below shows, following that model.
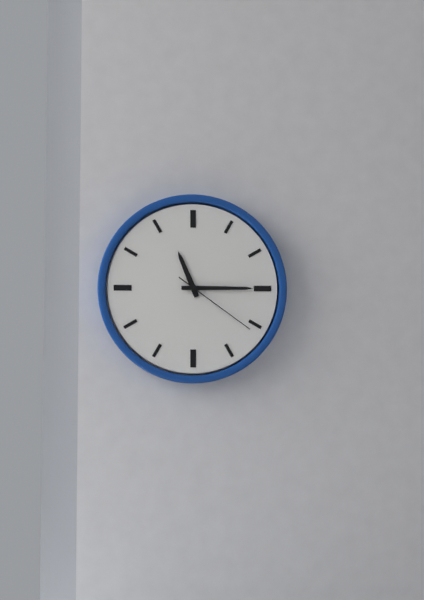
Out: h=11 m=15 s=21
